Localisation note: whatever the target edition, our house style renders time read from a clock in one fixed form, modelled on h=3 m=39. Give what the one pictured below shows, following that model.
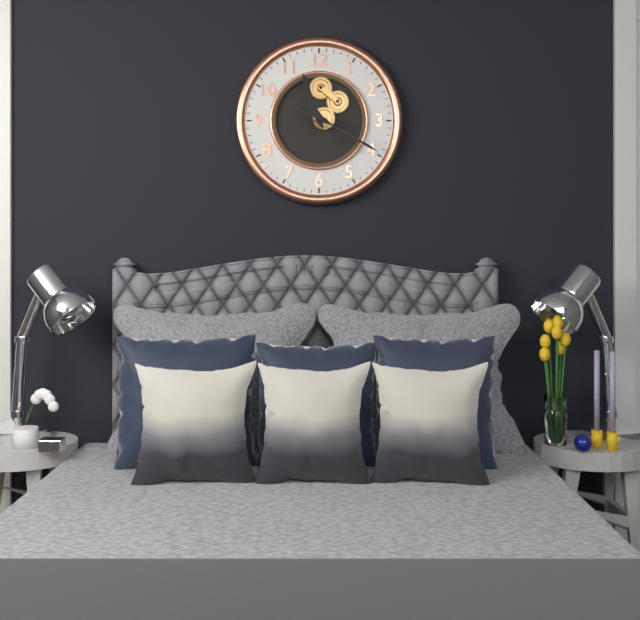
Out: h=11 m=20
